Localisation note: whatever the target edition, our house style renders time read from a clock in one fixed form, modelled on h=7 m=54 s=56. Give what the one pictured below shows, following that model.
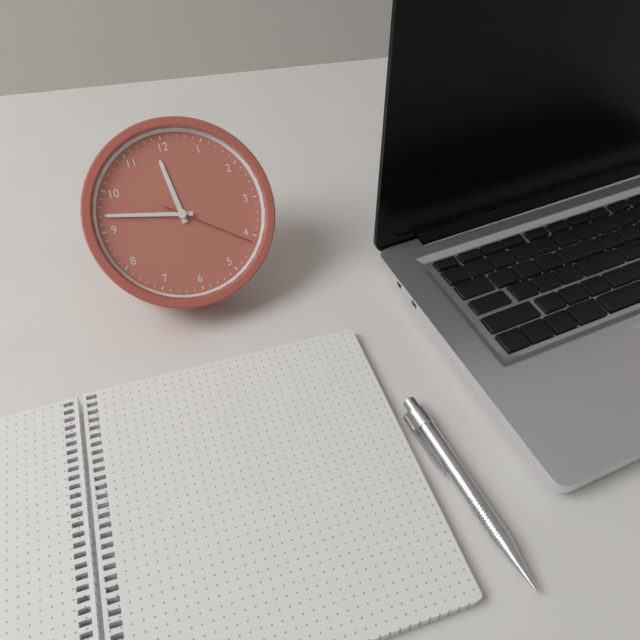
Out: h=11 m=47 s=21
